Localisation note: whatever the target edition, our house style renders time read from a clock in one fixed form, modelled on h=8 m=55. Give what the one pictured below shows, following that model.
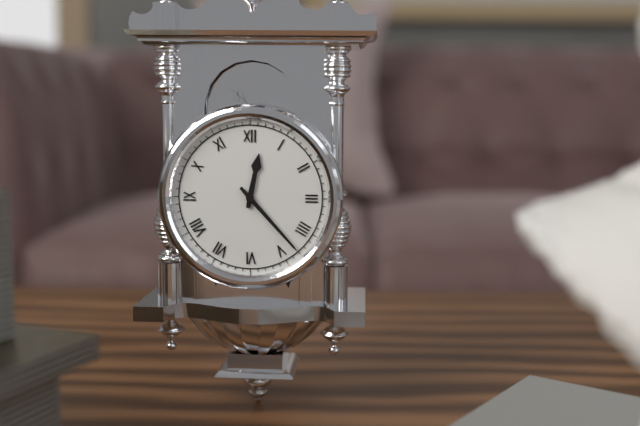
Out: h=12 m=23
